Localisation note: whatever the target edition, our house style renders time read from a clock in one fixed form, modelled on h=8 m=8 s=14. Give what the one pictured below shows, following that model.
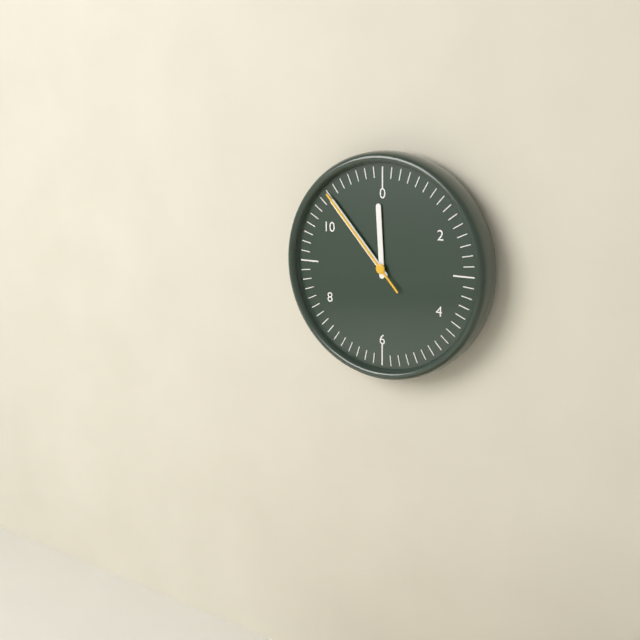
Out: h=11 m=53 s=53
